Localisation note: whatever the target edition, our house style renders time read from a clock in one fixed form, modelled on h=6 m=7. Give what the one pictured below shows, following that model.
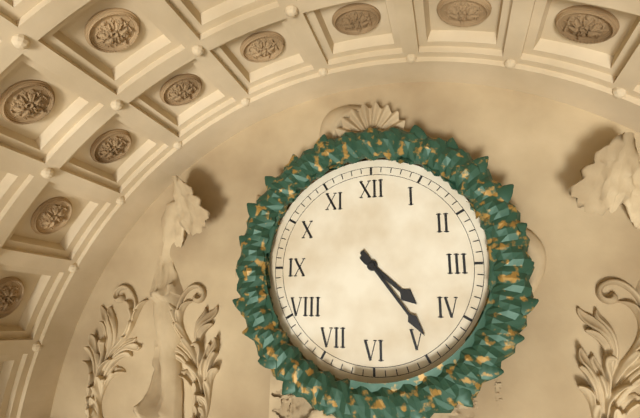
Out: h=4 m=24
